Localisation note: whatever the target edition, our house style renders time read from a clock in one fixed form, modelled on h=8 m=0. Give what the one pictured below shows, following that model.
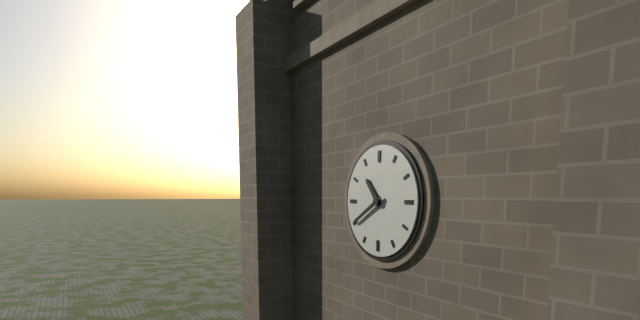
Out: h=10 m=40
